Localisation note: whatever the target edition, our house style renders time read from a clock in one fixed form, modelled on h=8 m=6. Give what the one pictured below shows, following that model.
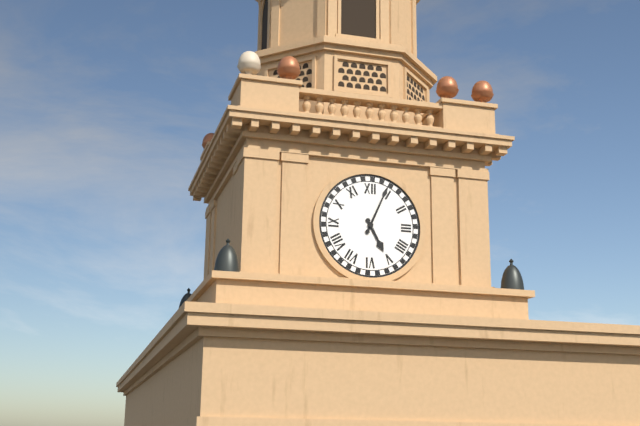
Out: h=5 m=4
